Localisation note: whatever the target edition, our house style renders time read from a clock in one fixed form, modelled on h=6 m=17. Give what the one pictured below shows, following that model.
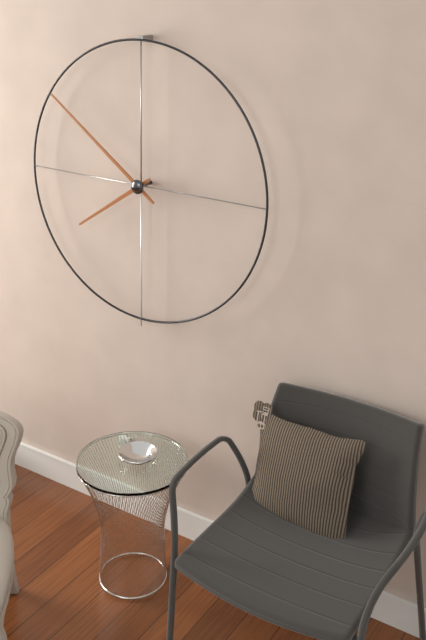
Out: h=7 m=51
